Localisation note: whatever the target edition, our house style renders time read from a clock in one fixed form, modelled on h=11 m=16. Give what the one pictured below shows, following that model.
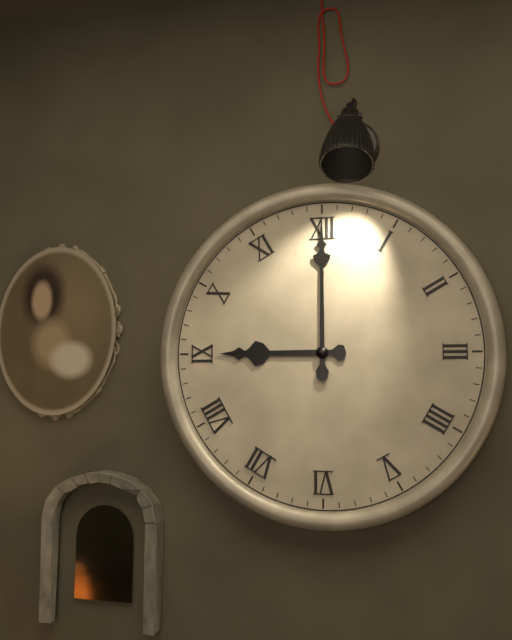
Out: h=9 m=0
